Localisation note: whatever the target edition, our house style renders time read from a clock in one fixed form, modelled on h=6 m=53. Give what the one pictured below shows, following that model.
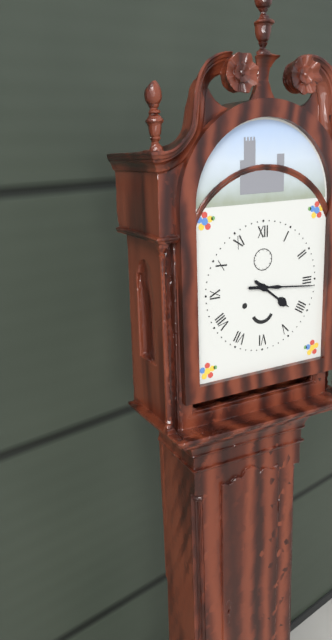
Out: h=4 m=16
